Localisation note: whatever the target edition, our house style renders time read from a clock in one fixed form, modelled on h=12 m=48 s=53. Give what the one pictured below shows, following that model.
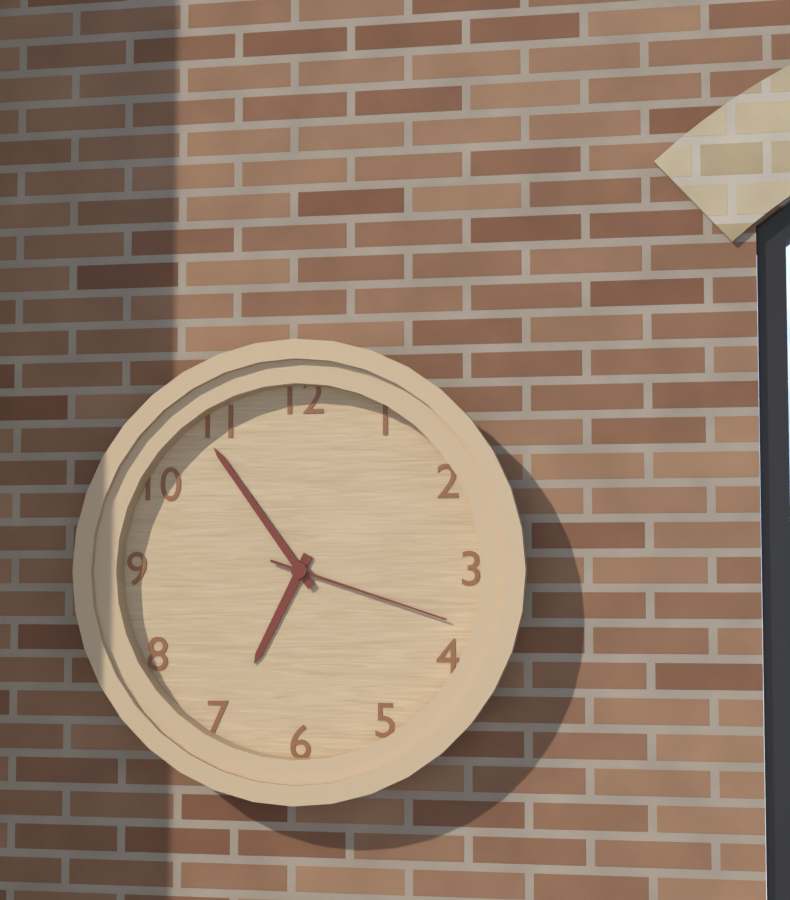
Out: h=6 m=54 s=18
